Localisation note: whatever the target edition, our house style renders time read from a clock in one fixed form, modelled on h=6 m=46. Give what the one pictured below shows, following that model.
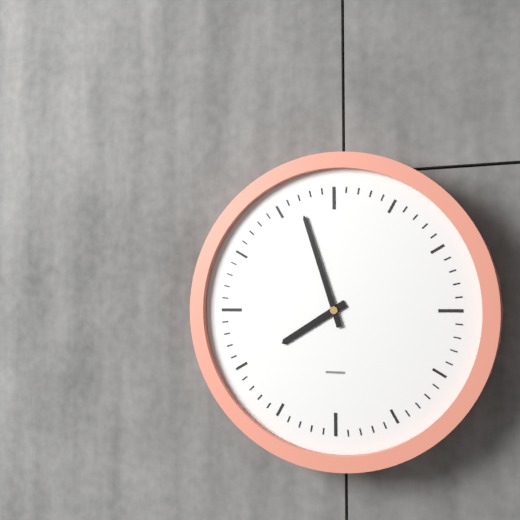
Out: h=7 m=57
